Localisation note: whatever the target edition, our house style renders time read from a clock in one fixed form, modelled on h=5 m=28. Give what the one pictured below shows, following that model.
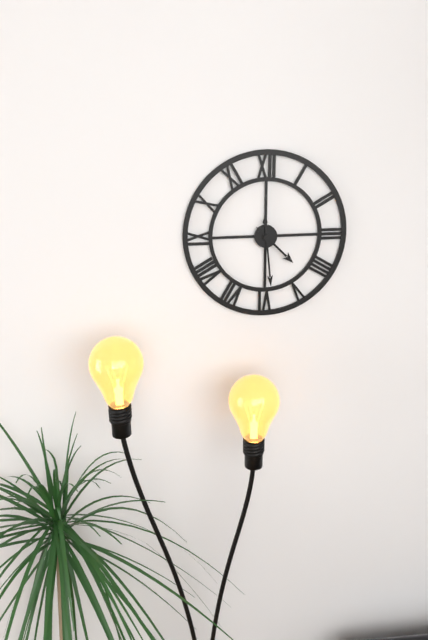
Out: h=4 m=29
